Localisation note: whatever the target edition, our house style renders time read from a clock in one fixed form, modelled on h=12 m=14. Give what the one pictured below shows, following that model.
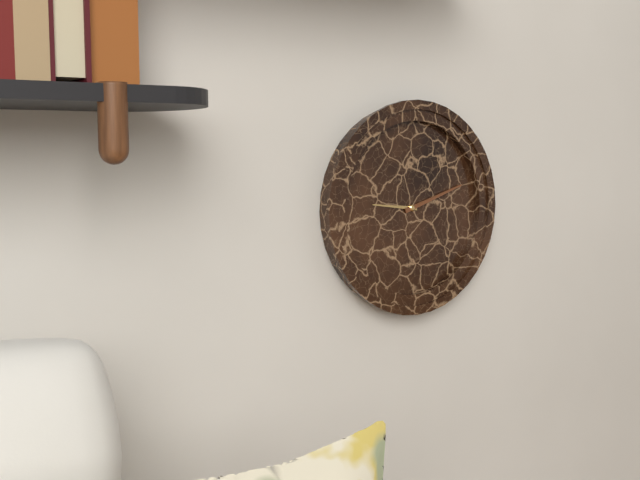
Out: h=9 m=12
